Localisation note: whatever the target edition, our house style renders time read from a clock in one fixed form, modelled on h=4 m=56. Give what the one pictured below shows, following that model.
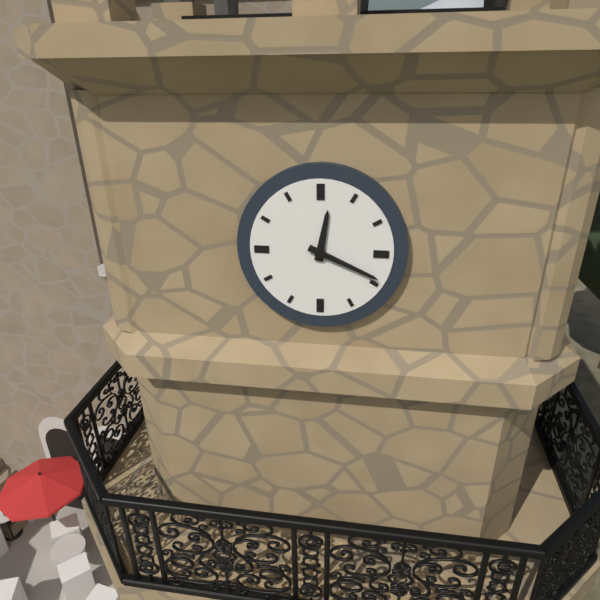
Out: h=12 m=19
